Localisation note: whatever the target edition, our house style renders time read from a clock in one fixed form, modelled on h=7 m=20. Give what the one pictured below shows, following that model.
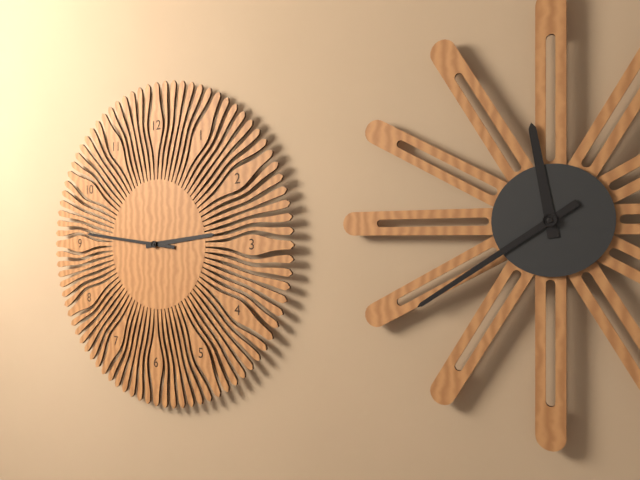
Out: h=2 m=46
